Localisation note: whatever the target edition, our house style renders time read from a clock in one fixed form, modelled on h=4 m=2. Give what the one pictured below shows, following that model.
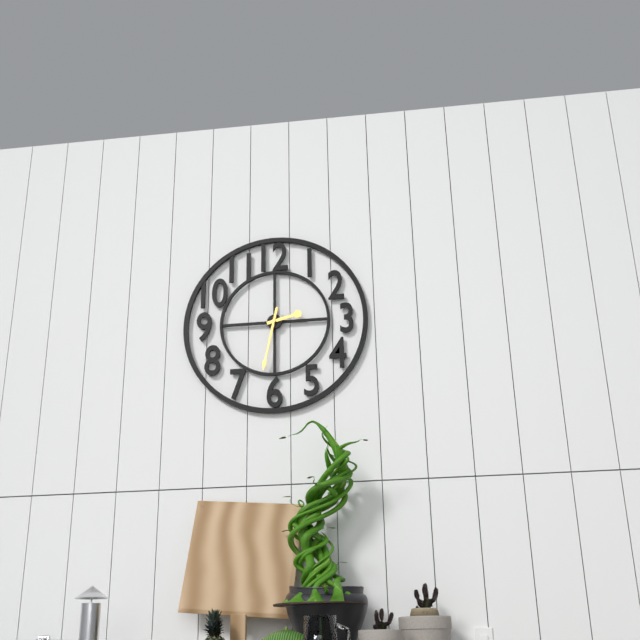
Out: h=2 m=32
